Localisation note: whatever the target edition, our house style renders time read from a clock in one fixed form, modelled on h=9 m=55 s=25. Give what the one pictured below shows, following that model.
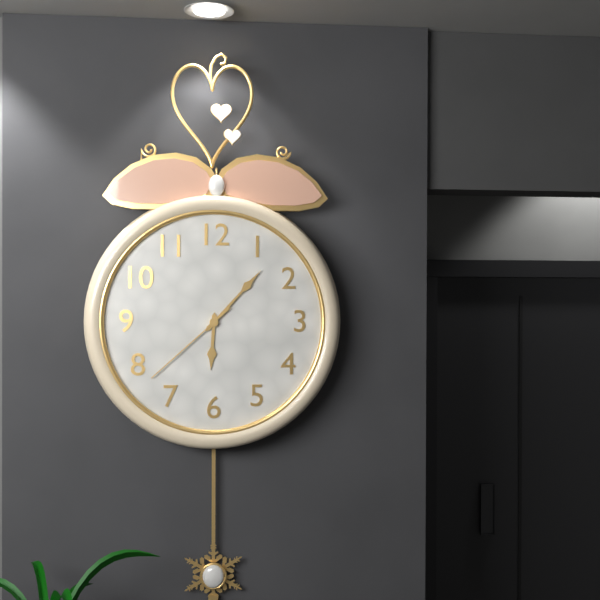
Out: h=6 m=7 s=38
